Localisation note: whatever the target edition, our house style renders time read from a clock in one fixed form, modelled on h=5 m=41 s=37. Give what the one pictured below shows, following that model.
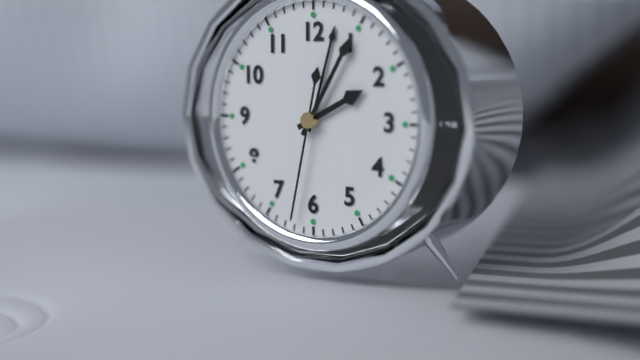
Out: h=2 m=5 s=32
